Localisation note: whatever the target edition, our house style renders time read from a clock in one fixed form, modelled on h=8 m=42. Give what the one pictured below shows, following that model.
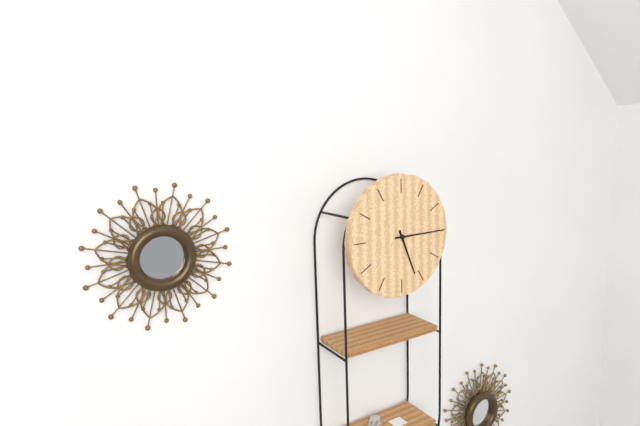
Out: h=5 m=15
